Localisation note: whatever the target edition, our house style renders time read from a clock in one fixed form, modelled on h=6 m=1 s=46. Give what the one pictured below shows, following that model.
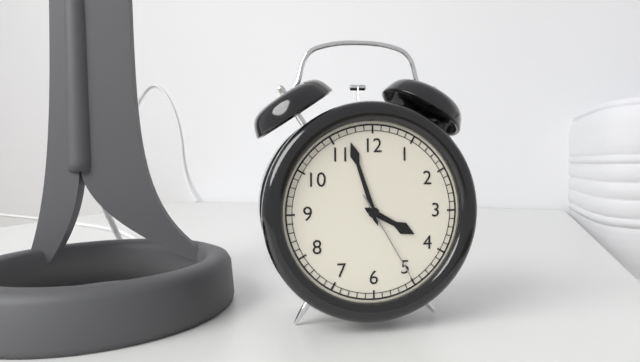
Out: h=3 m=57 s=25
